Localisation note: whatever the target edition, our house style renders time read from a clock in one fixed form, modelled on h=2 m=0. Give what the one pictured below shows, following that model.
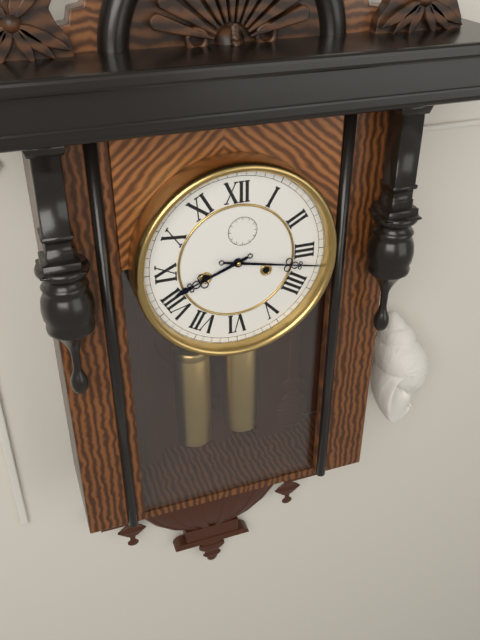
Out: h=8 m=17
